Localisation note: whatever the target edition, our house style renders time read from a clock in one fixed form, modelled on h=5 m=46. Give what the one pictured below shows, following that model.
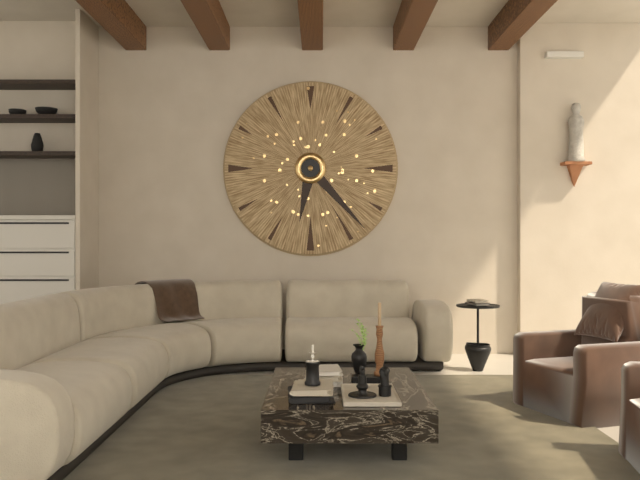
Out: h=6 m=23
